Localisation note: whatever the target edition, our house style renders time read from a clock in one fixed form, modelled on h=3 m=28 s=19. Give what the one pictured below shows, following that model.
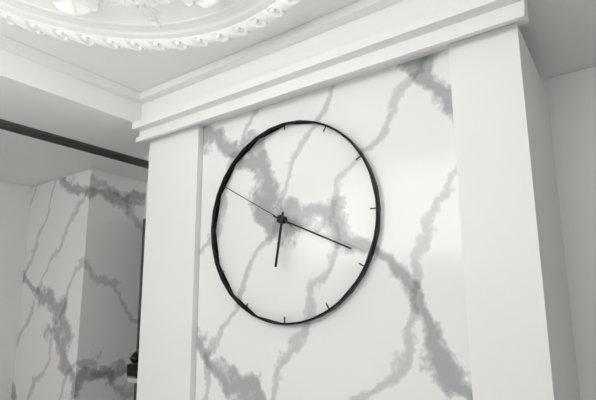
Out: h=6 m=19 s=50
